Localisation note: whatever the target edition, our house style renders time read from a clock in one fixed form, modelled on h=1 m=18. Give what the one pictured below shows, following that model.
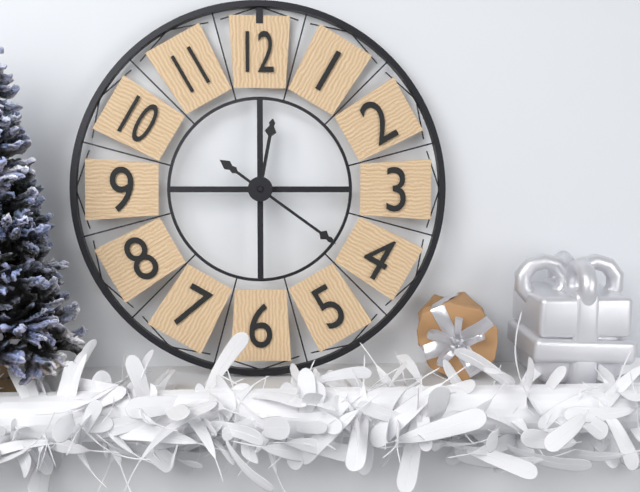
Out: h=12 m=21
